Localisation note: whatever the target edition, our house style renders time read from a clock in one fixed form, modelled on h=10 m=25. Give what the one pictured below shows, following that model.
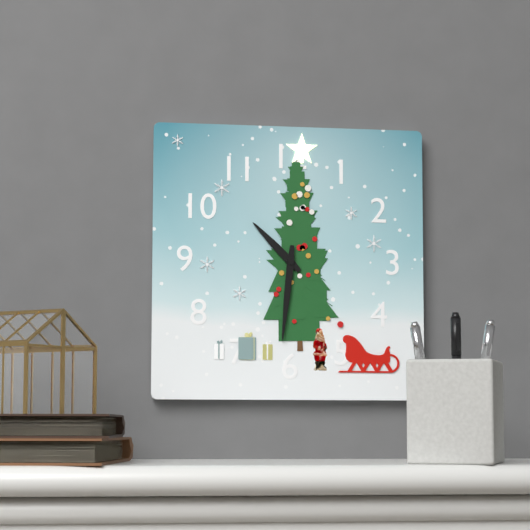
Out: h=10 m=31
